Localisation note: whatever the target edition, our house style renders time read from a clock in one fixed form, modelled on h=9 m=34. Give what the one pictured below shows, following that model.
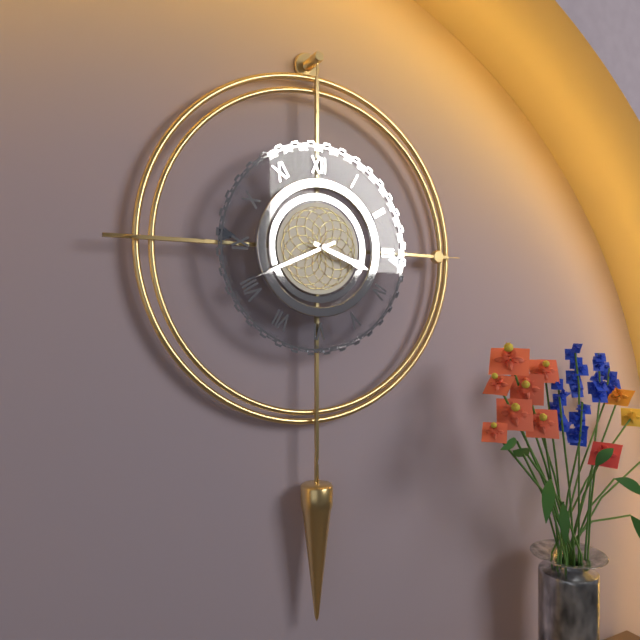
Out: h=3 m=41
